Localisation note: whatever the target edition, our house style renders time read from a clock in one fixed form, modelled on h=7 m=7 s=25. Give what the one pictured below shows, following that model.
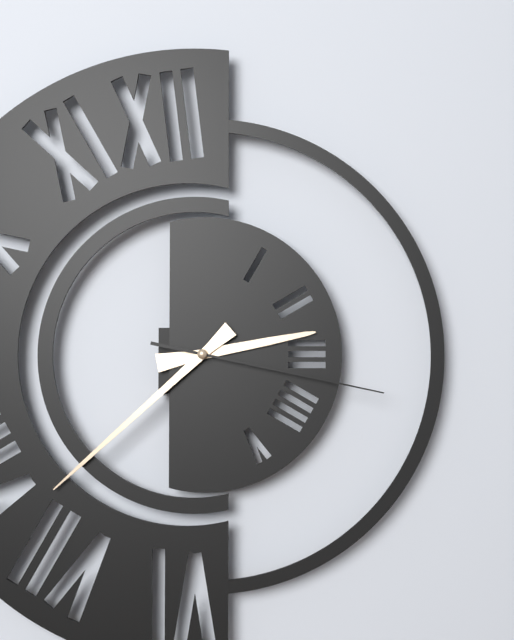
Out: h=2 m=38 s=17
